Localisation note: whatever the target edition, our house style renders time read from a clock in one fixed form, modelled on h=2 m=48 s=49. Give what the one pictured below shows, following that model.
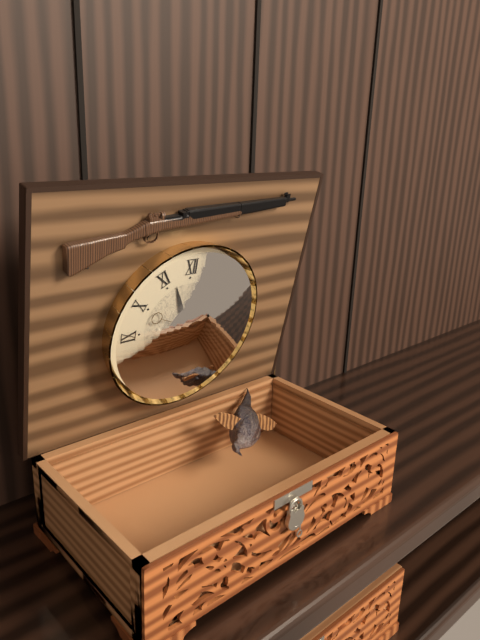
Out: h=11 m=22 s=19
